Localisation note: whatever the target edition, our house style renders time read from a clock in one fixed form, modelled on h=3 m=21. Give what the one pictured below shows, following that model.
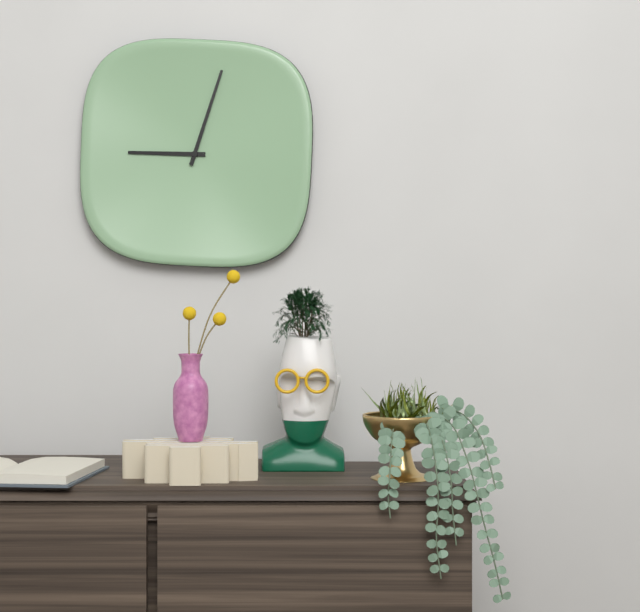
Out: h=9 m=3
